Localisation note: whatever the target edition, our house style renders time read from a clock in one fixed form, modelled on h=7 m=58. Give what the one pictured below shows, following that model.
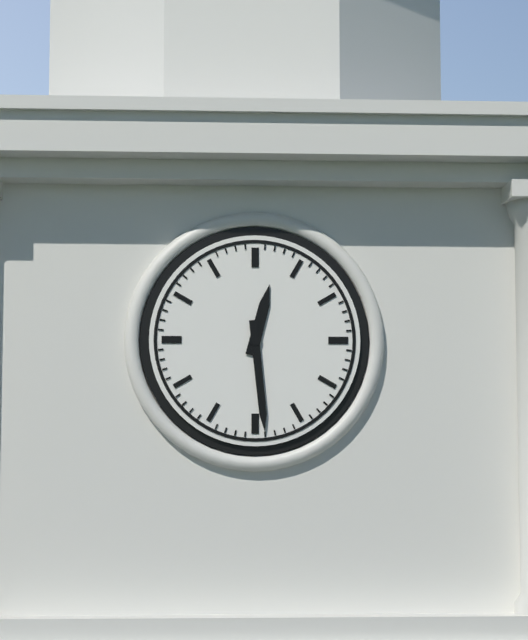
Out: h=12 m=29
